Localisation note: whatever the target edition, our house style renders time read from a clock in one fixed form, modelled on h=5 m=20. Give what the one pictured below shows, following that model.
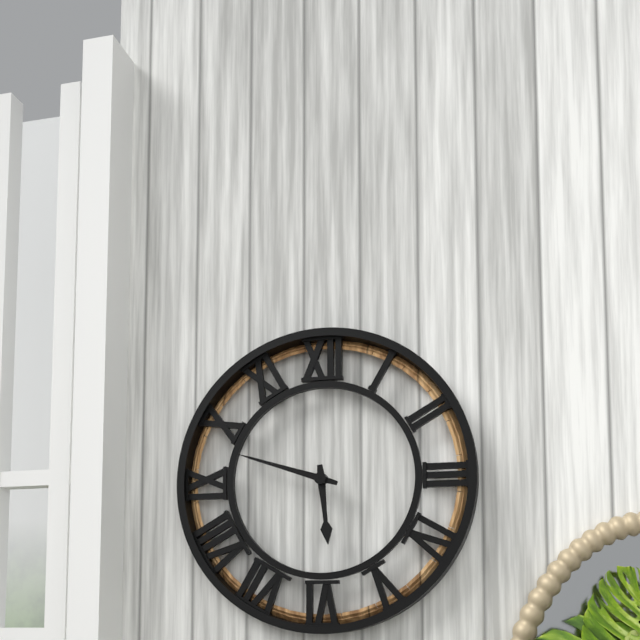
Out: h=5 m=48
